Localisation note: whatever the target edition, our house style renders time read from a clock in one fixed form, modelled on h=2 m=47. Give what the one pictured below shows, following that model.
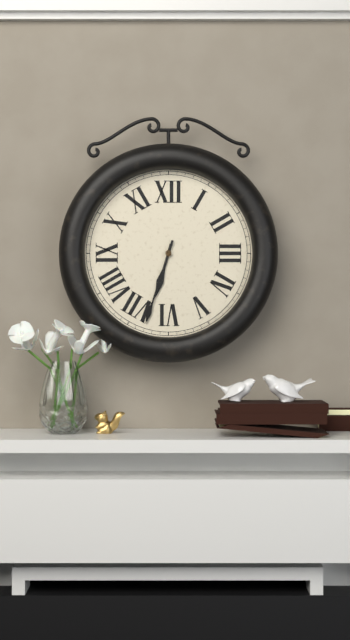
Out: h=6 m=33
